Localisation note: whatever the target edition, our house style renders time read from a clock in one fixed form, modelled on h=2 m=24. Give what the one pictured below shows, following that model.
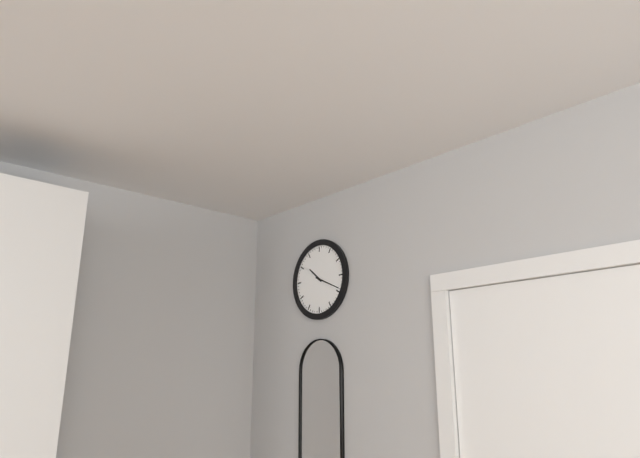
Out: h=10 m=19
